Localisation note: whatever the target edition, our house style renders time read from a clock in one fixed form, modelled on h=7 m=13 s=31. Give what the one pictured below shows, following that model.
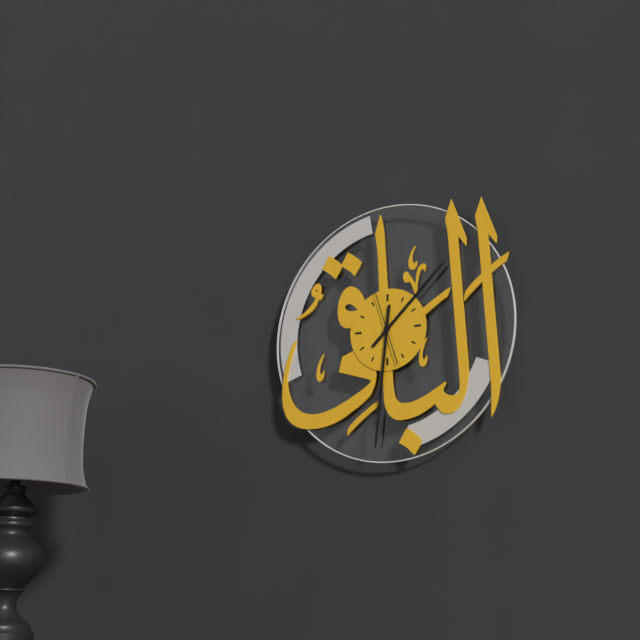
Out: h=1 m=31 s=57
